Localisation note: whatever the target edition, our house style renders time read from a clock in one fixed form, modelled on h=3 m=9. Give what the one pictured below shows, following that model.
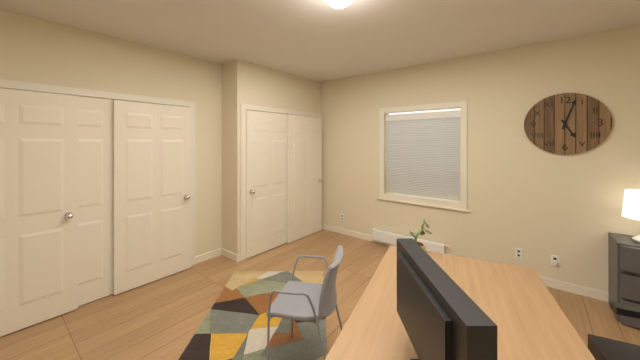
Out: h=5 m=3
